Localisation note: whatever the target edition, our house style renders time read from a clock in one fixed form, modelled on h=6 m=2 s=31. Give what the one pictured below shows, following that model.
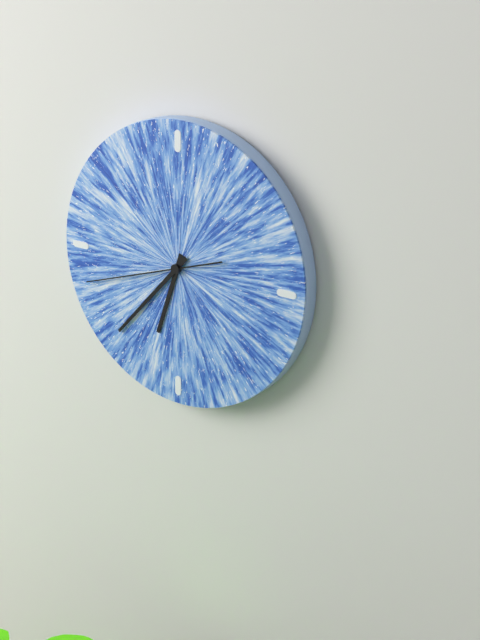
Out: h=6 m=37 s=42
